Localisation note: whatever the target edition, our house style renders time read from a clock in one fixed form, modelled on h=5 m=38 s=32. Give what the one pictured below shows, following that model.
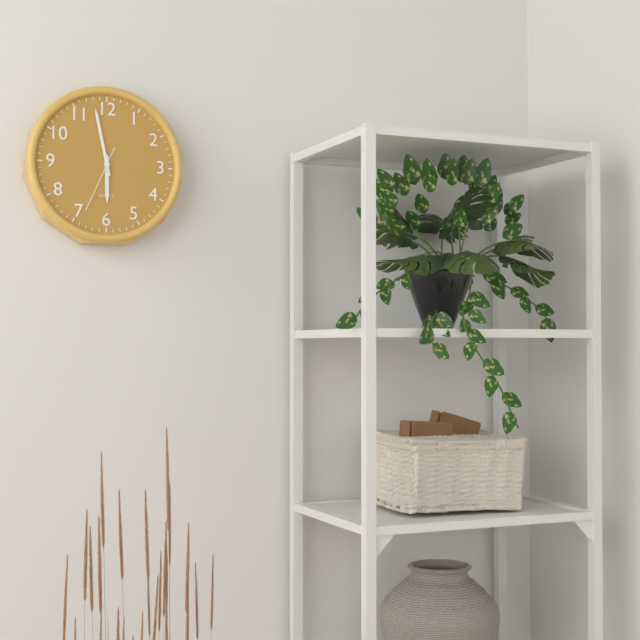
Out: h=5 m=58 s=34
